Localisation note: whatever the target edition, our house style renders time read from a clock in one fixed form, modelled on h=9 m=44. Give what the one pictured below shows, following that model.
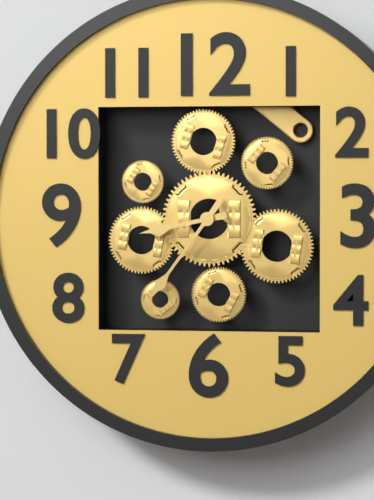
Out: h=8 m=36
